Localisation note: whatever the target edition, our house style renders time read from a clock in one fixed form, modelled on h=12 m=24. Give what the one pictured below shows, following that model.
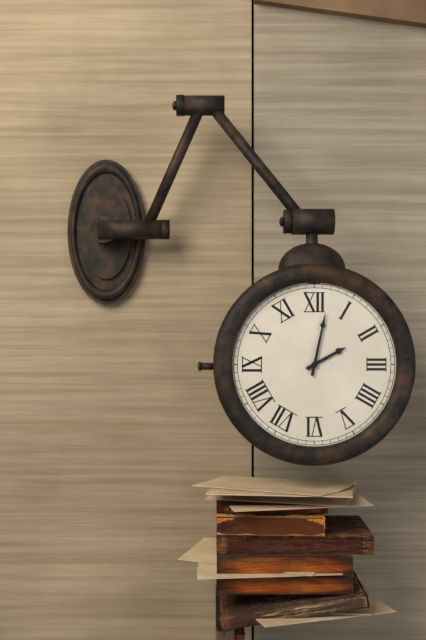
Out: h=2 m=2
